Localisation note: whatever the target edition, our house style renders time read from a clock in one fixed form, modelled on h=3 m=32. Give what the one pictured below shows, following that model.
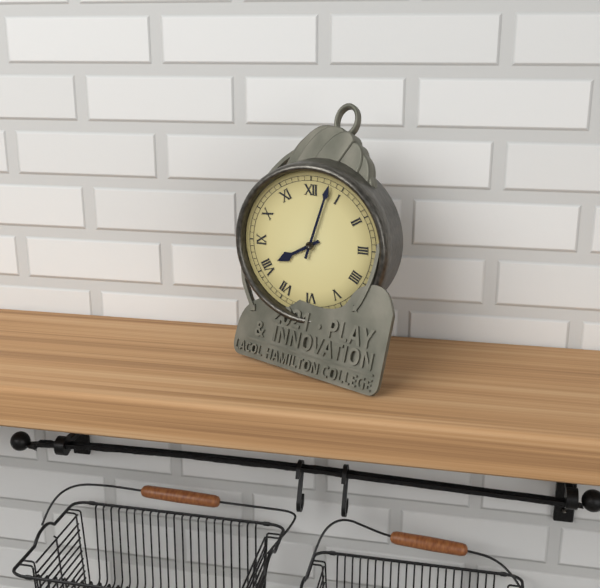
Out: h=8 m=3
